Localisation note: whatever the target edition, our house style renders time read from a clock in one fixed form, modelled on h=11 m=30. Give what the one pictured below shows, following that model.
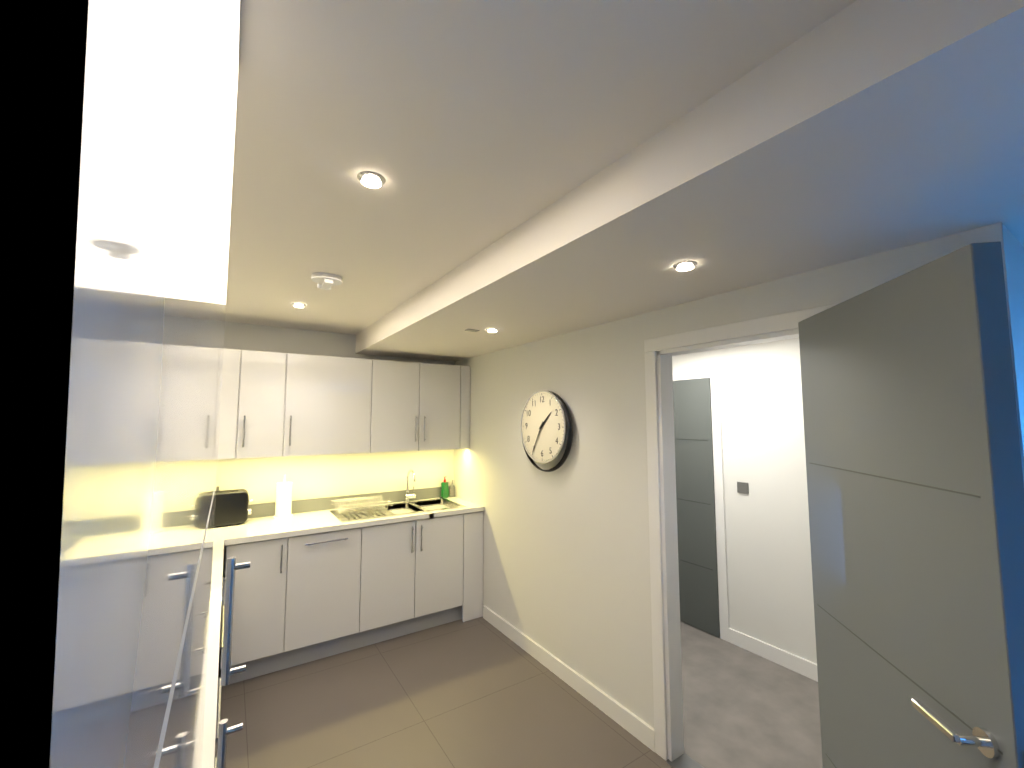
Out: h=1 m=35
